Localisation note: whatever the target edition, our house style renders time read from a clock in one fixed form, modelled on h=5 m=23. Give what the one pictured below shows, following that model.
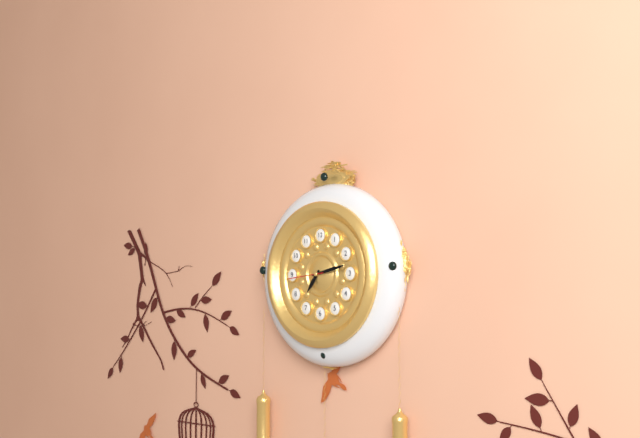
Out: h=7 m=13
